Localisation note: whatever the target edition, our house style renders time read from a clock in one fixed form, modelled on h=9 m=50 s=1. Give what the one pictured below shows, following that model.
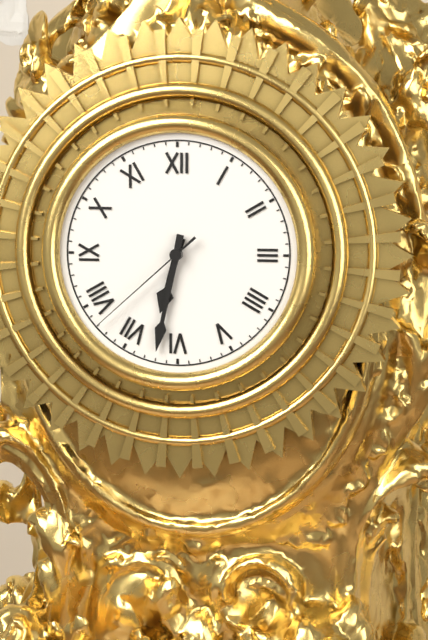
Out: h=6 m=32 s=38
